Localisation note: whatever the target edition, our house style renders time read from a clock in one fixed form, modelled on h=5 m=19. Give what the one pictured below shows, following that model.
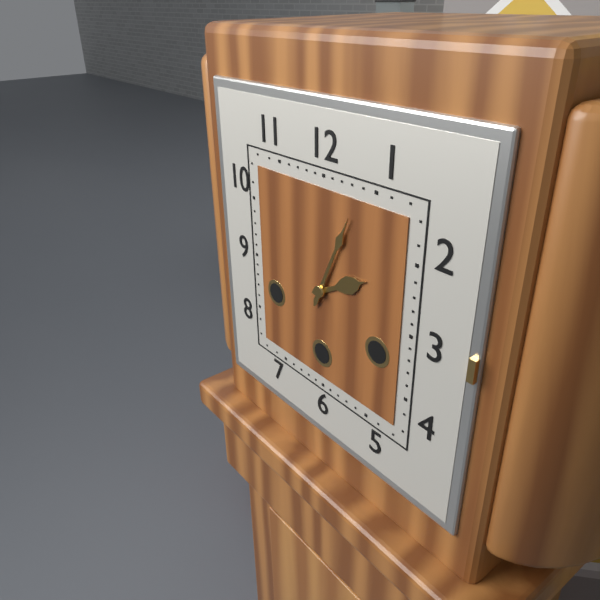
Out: h=2 m=4
